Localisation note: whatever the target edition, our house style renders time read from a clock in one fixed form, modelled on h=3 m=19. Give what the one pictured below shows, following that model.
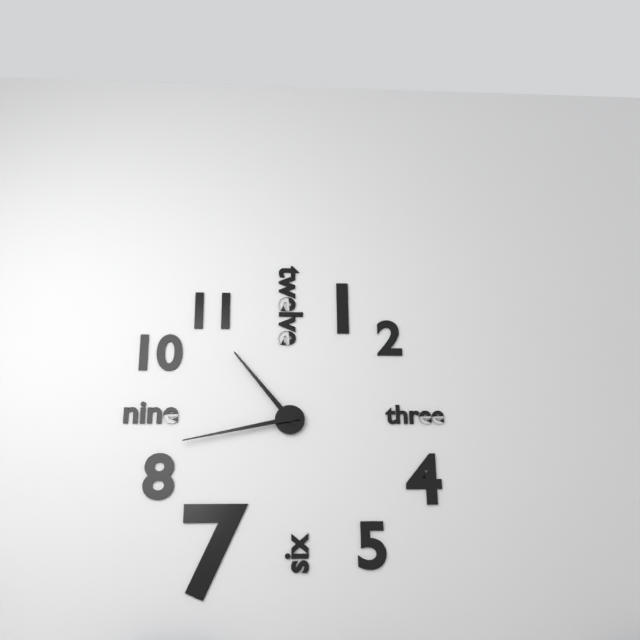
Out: h=10 m=43
